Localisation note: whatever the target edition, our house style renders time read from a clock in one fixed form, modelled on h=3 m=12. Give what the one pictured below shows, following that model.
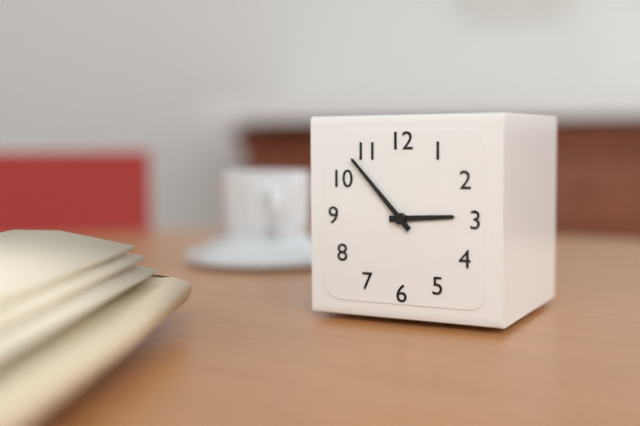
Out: h=2 m=53
